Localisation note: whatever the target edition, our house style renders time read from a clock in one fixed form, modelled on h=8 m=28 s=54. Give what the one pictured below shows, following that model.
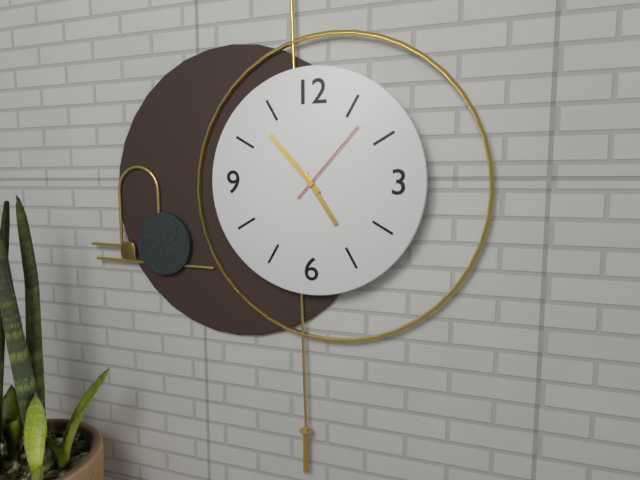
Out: h=4 m=53 s=7
